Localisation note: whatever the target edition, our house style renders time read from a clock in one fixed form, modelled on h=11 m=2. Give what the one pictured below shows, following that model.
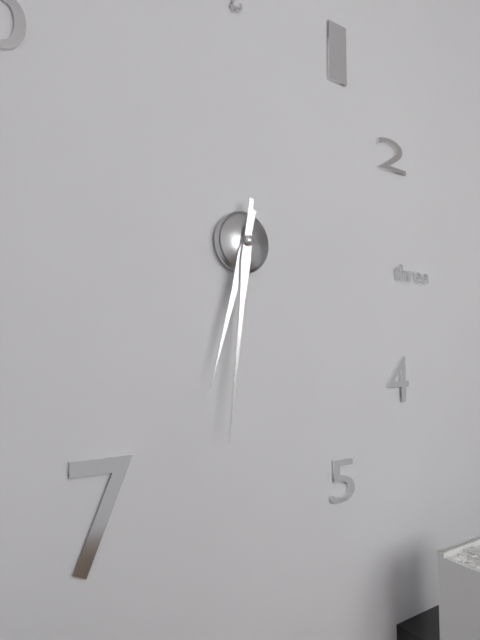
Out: h=6 m=31
